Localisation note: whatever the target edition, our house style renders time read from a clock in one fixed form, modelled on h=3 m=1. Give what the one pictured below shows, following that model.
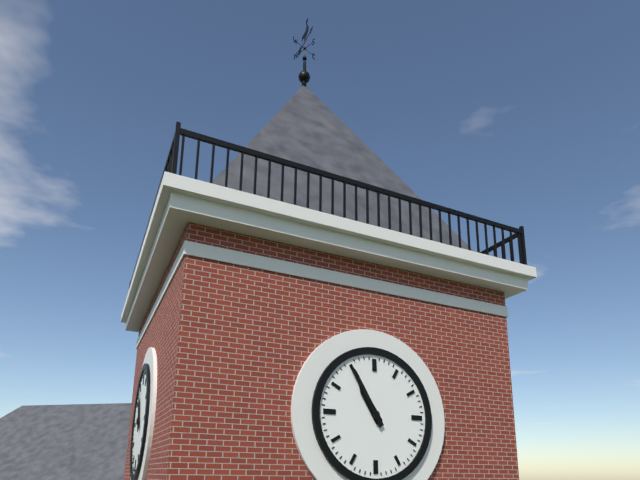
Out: h=10 m=55
